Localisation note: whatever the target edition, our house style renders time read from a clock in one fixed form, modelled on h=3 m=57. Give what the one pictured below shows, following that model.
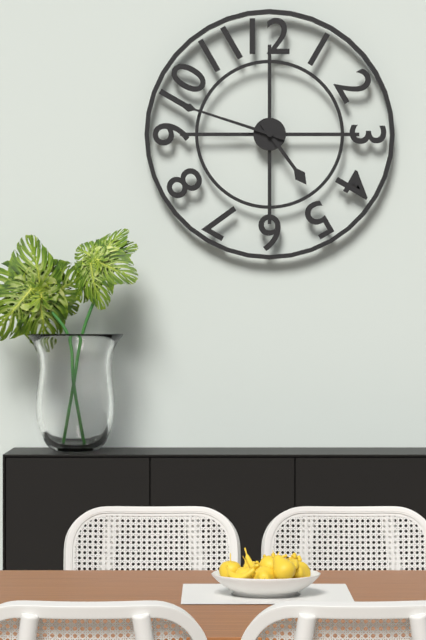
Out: h=4 m=48
